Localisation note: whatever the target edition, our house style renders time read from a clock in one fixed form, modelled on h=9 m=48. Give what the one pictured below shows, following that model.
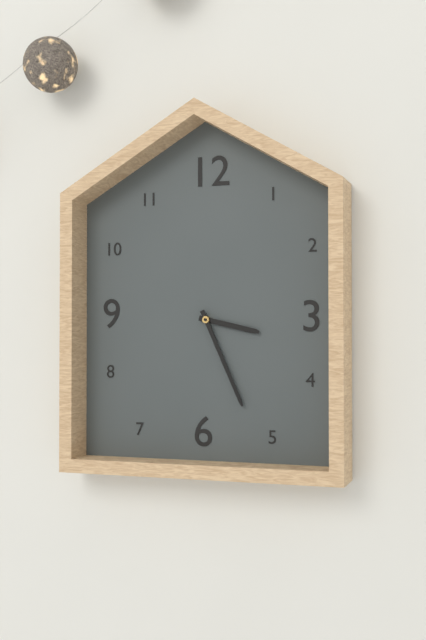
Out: h=3 m=26
